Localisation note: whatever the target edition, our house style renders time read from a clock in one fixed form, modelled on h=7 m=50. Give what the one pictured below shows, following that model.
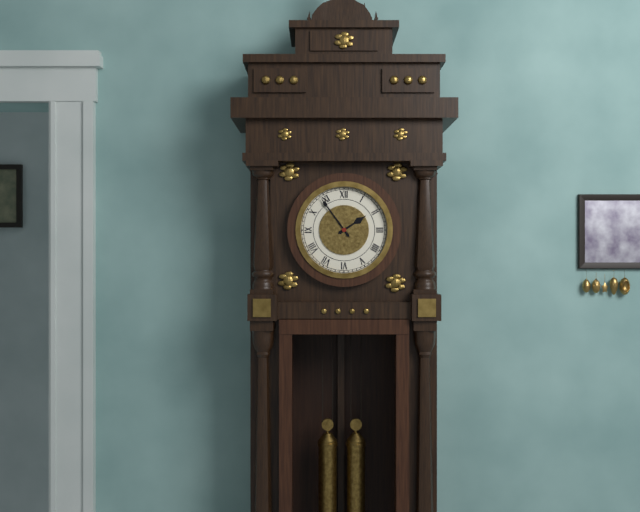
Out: h=1 m=54
